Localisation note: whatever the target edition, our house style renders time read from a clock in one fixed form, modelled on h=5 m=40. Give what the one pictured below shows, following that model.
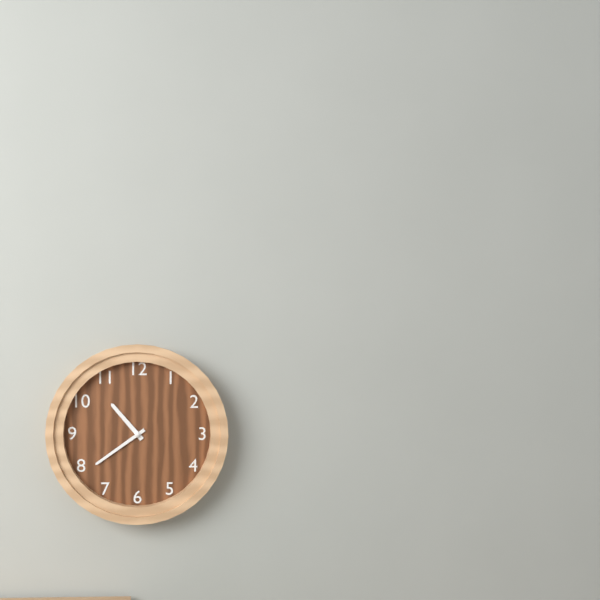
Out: h=10 m=39
